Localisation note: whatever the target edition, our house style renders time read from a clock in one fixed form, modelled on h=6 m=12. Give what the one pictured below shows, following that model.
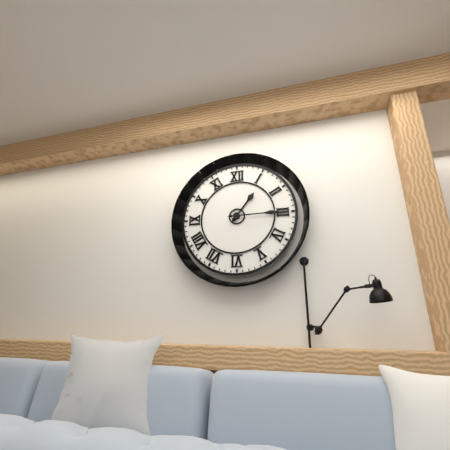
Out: h=1 m=15
